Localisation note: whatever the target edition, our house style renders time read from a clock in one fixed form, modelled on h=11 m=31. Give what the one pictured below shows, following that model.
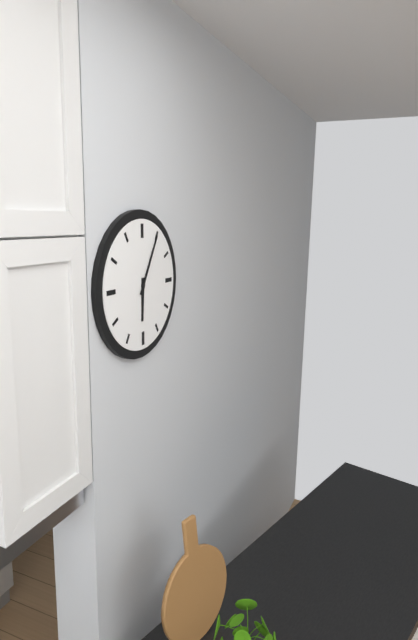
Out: h=6 m=5
